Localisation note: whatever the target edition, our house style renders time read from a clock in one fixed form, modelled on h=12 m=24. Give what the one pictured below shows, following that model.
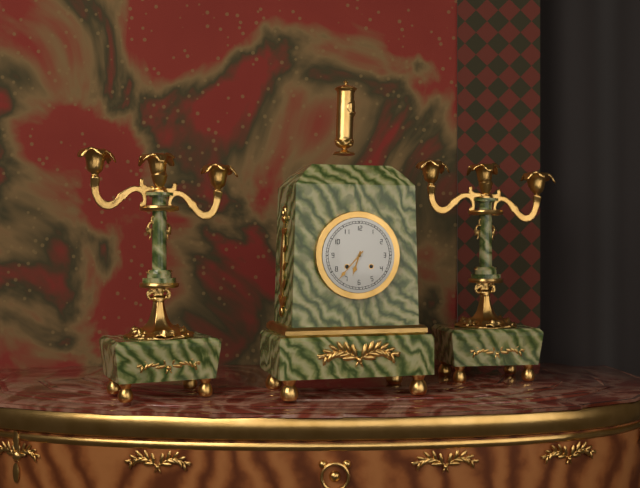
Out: h=6 m=37
